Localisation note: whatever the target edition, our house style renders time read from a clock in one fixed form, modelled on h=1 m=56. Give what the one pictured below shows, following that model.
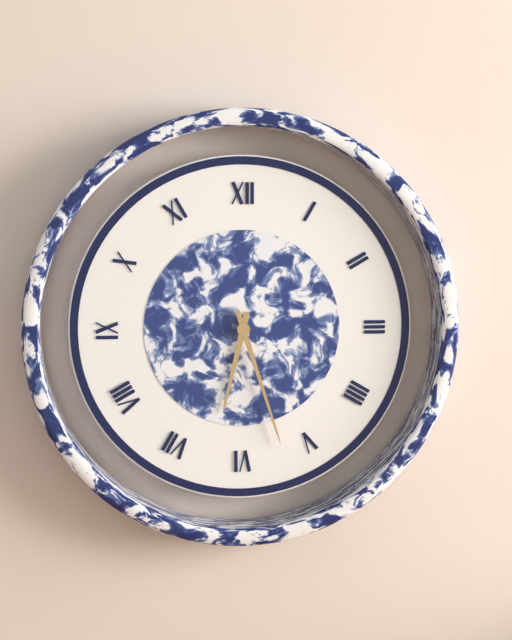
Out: h=6 m=27
